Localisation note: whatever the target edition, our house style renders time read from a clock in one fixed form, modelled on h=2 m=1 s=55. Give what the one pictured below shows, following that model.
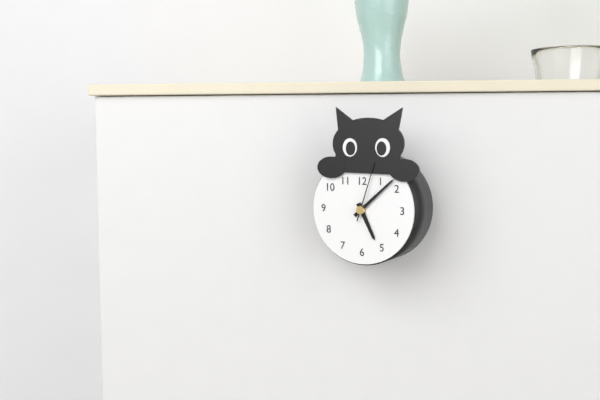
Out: h=5 m=8 s=3
